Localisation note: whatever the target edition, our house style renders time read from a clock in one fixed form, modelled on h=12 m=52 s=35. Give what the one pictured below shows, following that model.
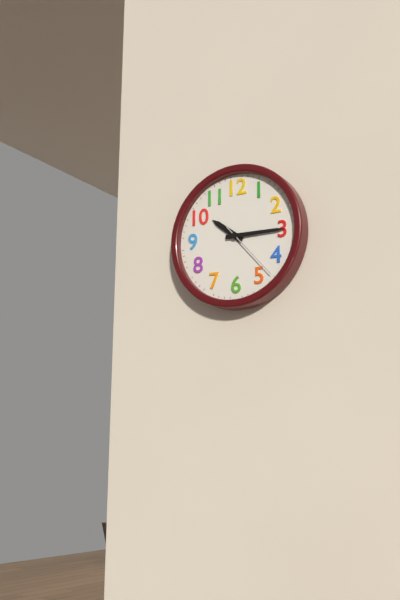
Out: h=10 m=15 s=23
